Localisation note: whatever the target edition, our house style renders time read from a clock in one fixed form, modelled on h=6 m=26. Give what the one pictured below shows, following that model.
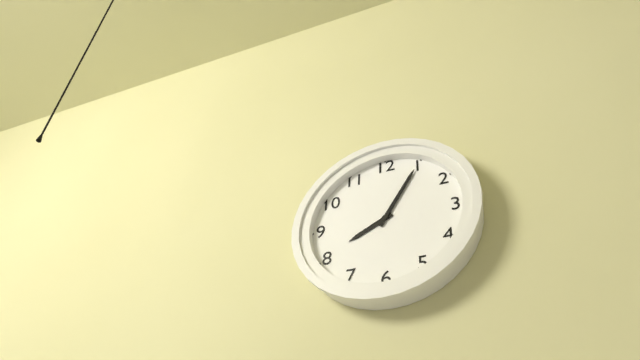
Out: h=8 m=5
